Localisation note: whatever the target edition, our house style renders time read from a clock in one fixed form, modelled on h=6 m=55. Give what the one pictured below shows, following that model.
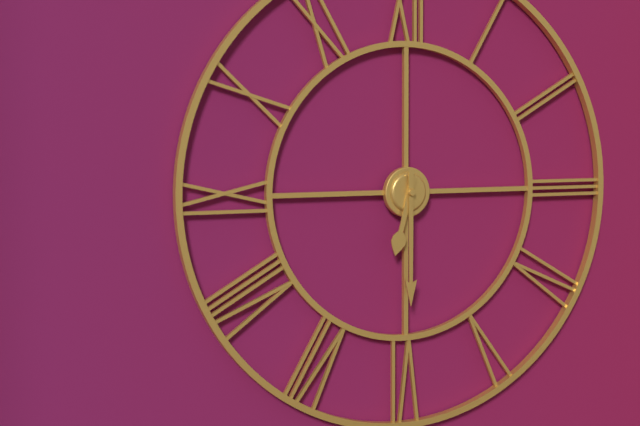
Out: h=6 m=30
